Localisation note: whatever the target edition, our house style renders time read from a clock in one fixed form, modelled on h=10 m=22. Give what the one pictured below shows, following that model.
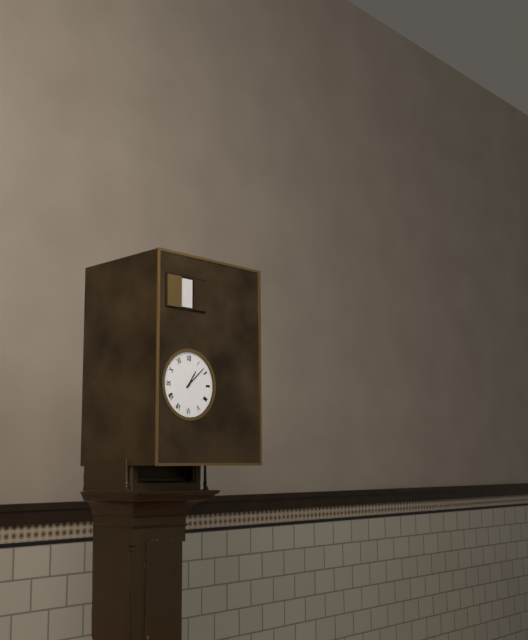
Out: h=1 m=8
